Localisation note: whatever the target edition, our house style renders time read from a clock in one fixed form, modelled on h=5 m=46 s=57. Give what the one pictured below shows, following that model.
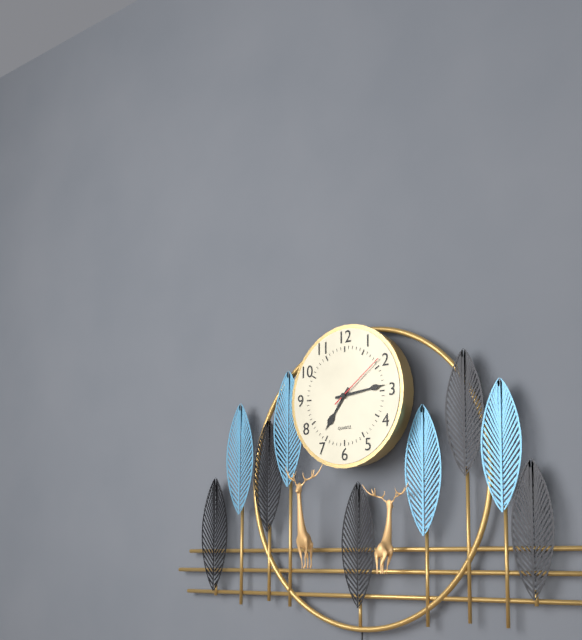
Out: h=7 m=14 s=9
